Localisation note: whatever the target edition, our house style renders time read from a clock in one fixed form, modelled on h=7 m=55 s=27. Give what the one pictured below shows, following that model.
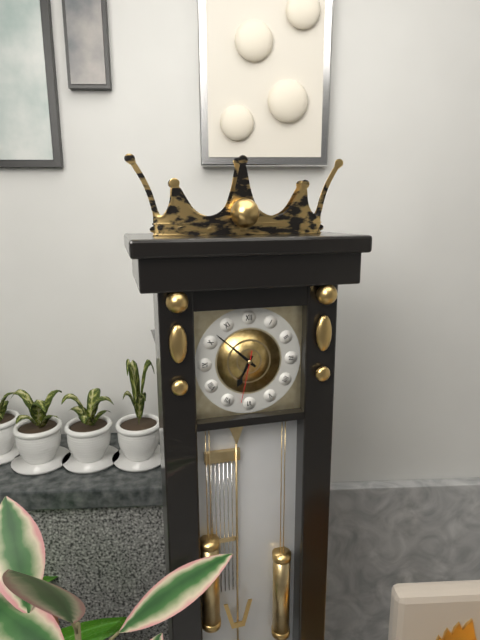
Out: h=6 m=52 s=32
